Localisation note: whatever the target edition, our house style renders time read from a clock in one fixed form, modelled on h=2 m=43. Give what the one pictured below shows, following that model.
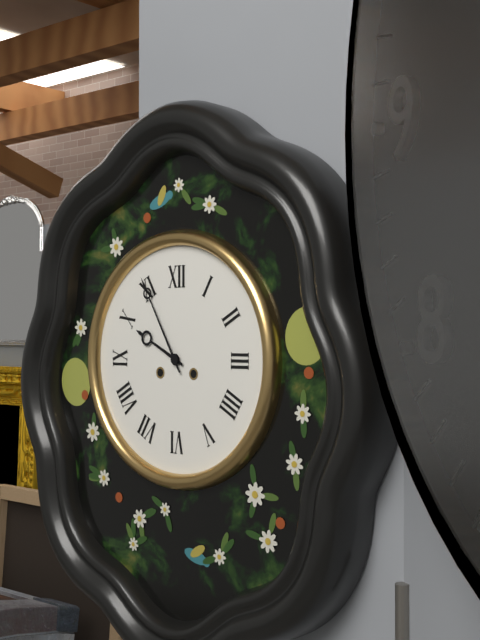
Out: h=9 m=55
